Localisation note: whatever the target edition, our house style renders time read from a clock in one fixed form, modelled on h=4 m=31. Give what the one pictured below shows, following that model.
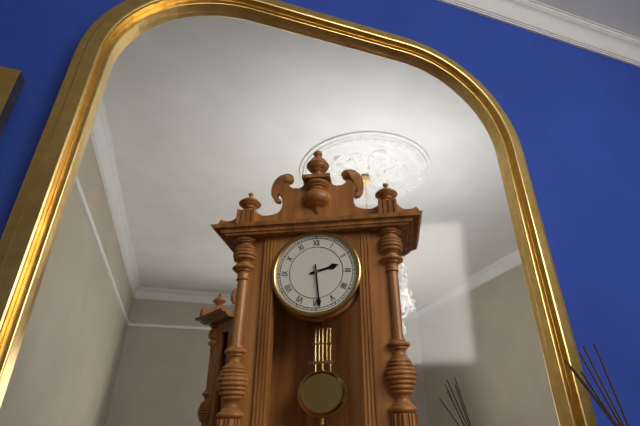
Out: h=2 m=29
